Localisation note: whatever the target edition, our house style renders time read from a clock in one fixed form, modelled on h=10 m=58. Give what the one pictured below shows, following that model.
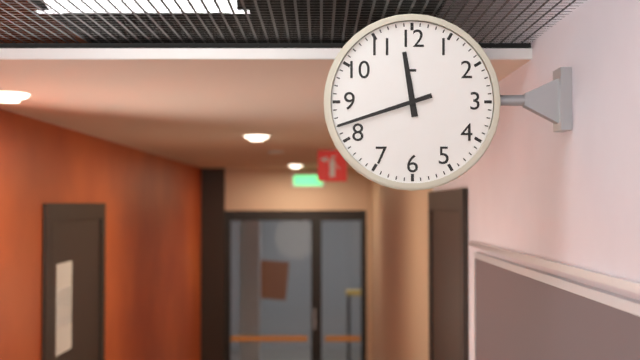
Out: h=11 m=42
